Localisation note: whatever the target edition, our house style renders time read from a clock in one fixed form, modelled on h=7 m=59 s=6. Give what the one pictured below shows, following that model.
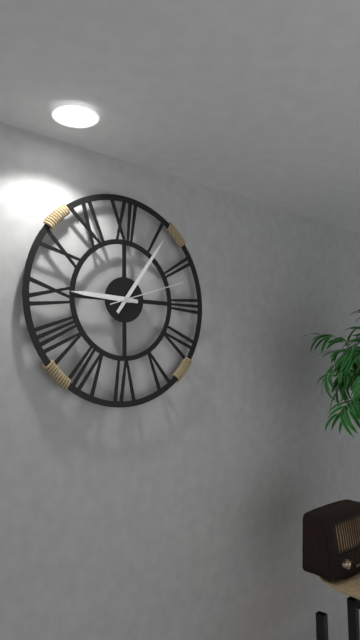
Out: h=9 m=6 s=12
